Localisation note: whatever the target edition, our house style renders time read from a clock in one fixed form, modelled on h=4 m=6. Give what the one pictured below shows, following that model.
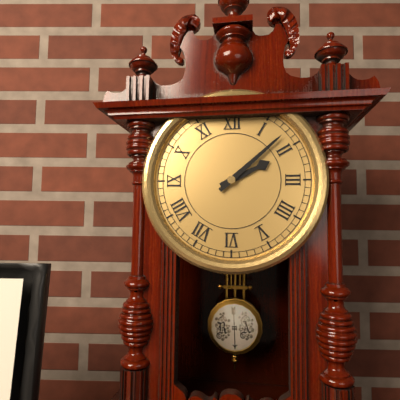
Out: h=2 m=8
